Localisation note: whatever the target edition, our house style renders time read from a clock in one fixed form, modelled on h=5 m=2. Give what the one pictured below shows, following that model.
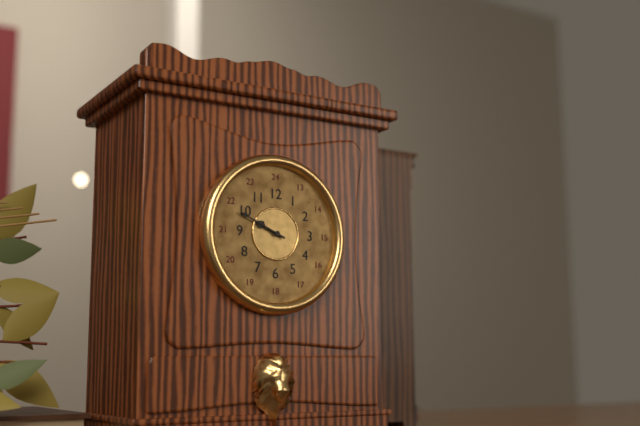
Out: h=9 m=49
